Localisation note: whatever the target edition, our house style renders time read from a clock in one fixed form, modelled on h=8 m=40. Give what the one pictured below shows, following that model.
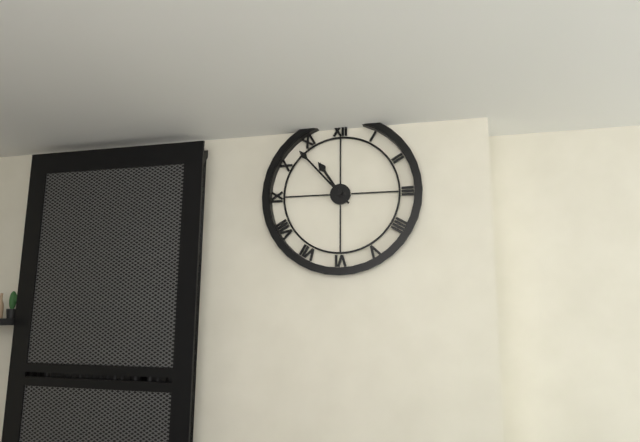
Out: h=10 m=53
